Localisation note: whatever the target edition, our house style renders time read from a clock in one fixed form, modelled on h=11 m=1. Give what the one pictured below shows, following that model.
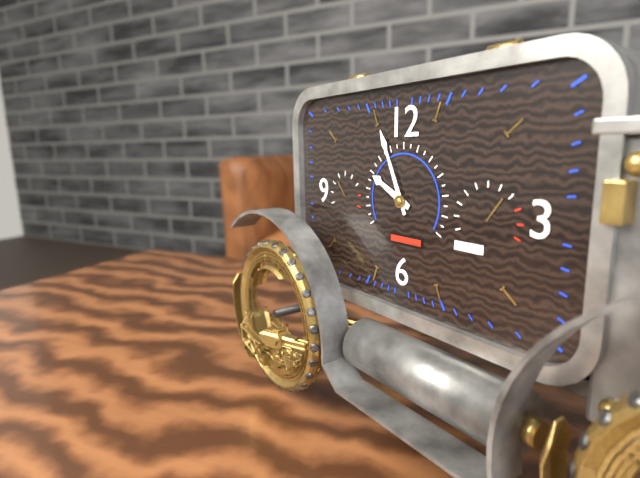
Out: h=9 m=56
